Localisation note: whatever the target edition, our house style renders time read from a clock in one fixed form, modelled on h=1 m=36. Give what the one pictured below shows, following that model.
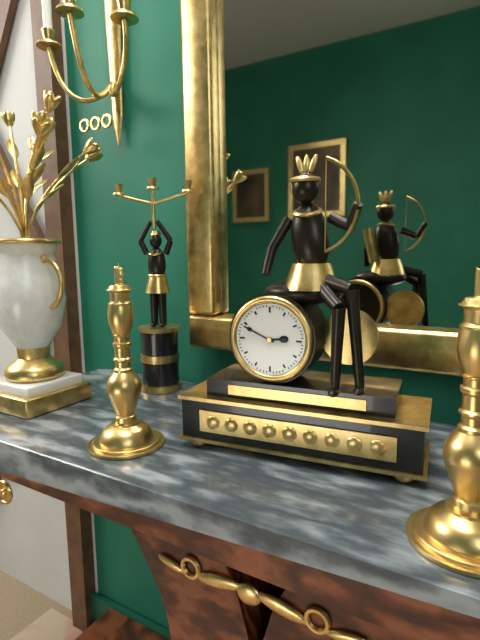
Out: h=2 m=49
